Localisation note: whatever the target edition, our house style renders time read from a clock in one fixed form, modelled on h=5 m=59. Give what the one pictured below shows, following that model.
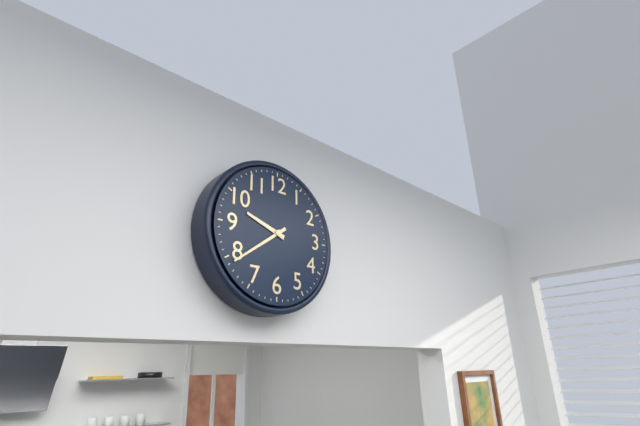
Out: h=9 m=39
